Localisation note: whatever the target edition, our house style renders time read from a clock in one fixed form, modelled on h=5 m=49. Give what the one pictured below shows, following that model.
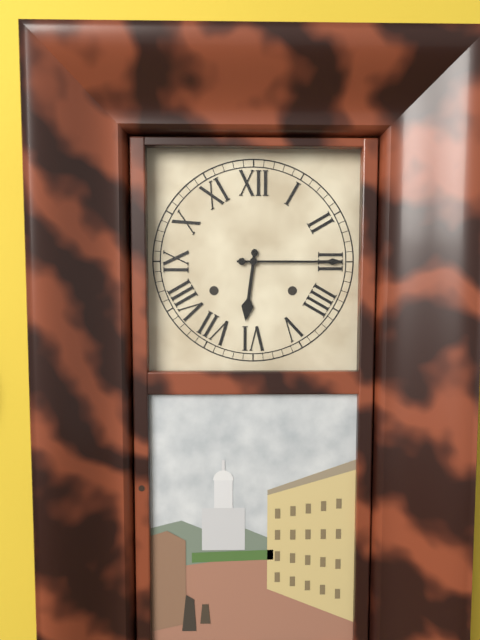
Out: h=6 m=15
